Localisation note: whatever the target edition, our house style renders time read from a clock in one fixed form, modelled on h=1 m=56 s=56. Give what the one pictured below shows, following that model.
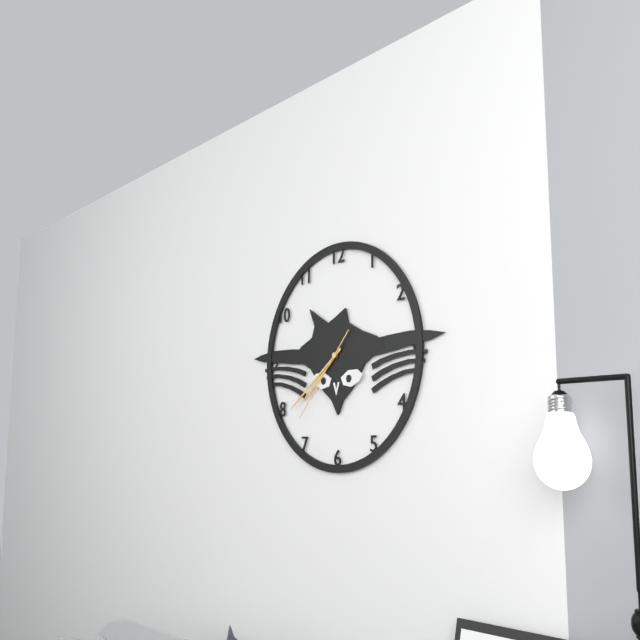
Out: h=7 m=39 s=37
